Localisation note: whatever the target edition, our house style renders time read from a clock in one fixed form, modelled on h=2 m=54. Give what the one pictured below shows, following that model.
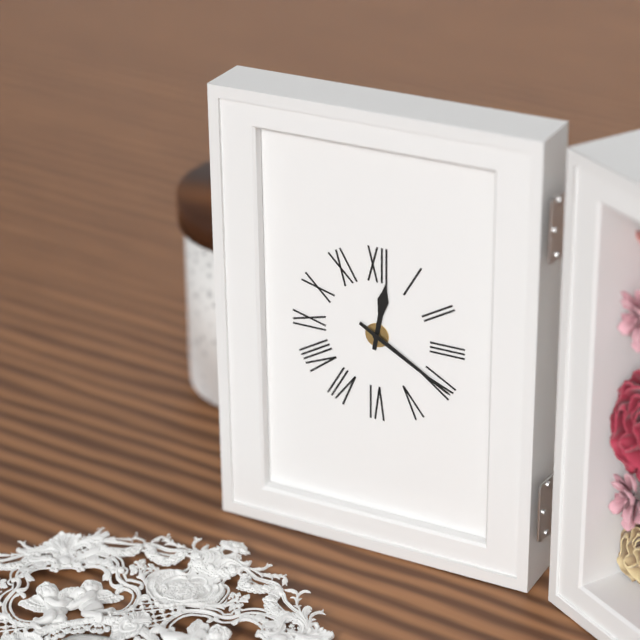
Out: h=12 m=20
